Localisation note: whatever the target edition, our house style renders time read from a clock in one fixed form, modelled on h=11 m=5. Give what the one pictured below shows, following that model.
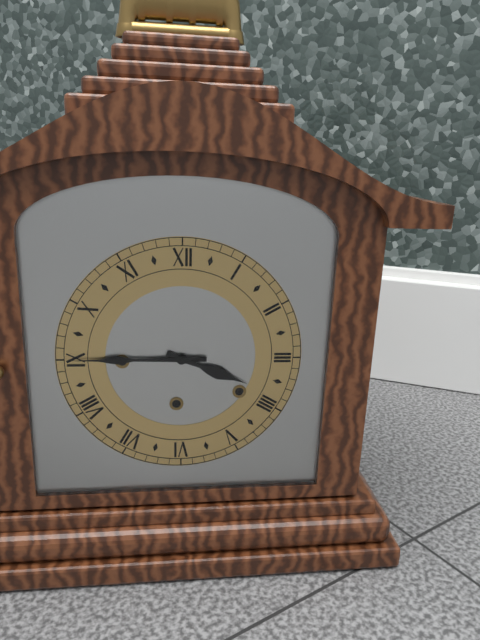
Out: h=3 m=45
